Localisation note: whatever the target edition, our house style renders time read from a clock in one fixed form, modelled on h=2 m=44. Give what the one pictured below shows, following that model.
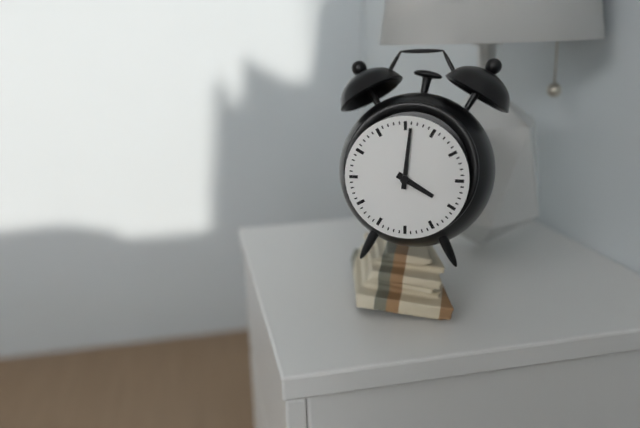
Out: h=4 m=1
